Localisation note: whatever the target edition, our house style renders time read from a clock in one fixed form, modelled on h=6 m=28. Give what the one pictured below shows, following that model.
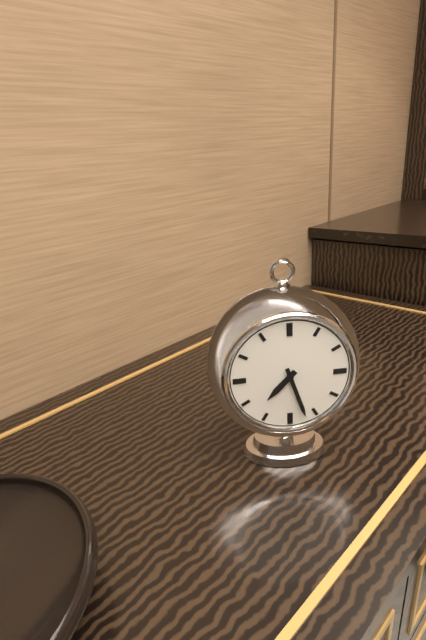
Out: h=7 m=27
